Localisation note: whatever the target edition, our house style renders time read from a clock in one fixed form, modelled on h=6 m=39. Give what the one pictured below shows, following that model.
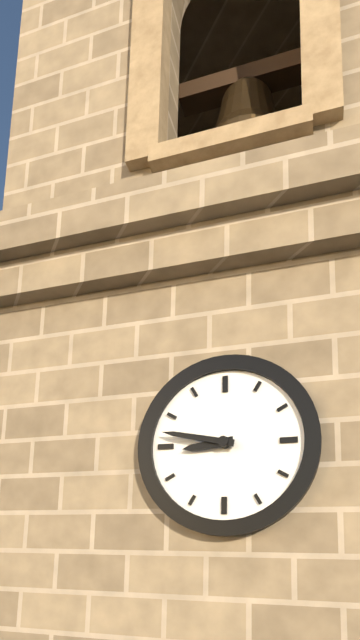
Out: h=8 m=47
